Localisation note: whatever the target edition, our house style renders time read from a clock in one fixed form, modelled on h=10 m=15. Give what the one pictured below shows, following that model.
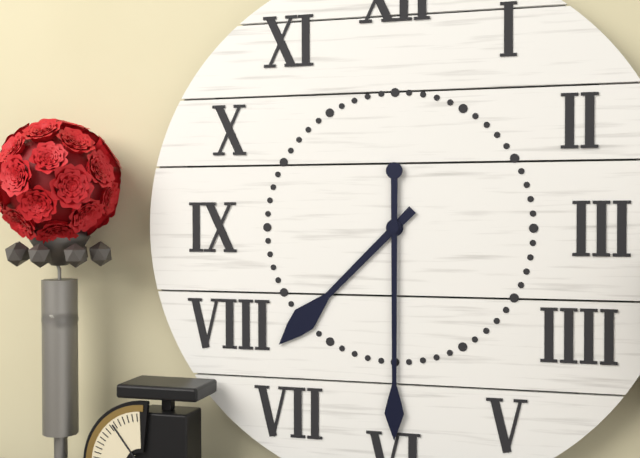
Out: h=7 m=30
